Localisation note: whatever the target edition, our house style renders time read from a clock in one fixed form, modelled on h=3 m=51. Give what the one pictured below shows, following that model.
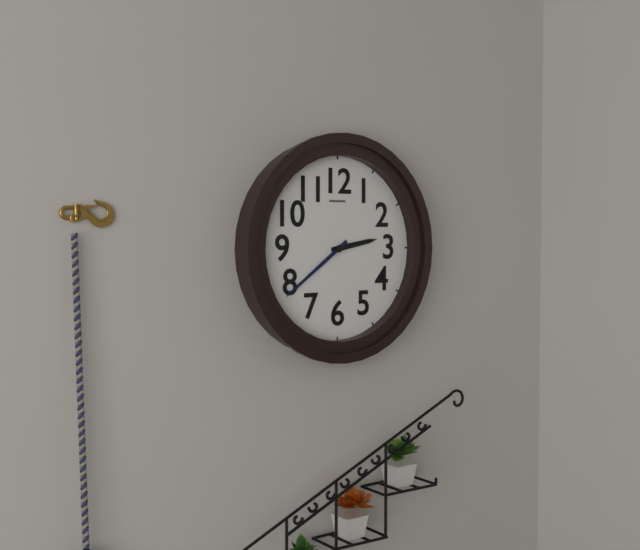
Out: h=2 m=39
